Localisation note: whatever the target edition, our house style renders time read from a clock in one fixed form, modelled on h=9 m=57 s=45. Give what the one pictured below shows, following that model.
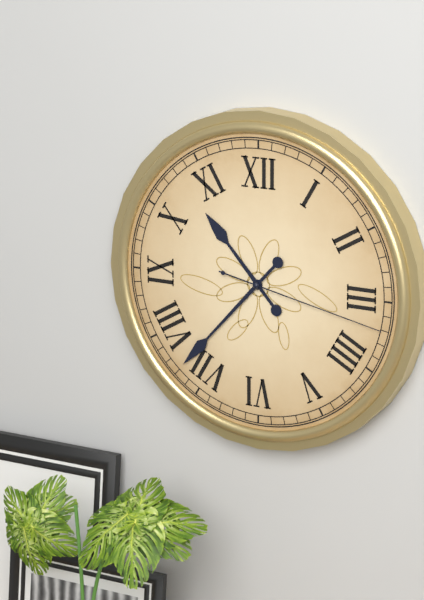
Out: h=10 m=37 s=17
